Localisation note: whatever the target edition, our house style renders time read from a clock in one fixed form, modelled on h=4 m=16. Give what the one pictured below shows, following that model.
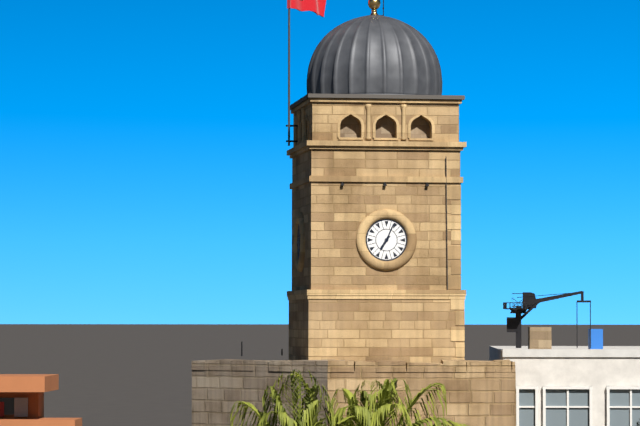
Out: h=7 m=4
